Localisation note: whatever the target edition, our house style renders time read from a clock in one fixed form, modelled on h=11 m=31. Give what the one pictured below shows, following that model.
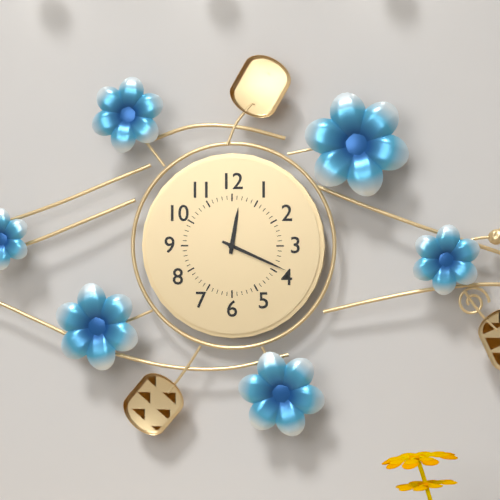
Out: h=12 m=19
